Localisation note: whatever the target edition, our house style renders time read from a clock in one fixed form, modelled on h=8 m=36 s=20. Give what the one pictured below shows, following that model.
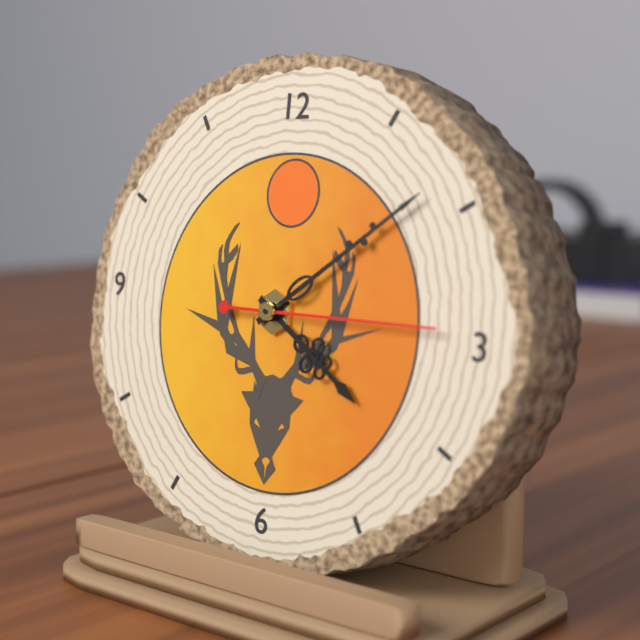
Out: h=4 m=9 s=15
